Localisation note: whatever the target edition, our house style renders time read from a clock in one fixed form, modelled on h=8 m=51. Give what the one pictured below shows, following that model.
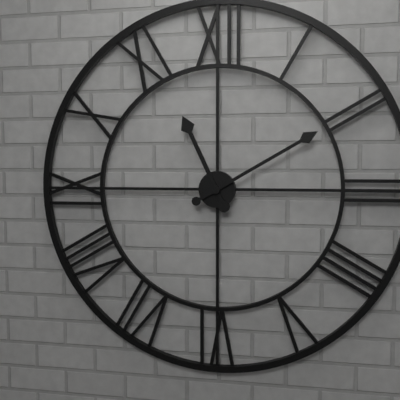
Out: h=11 m=10
